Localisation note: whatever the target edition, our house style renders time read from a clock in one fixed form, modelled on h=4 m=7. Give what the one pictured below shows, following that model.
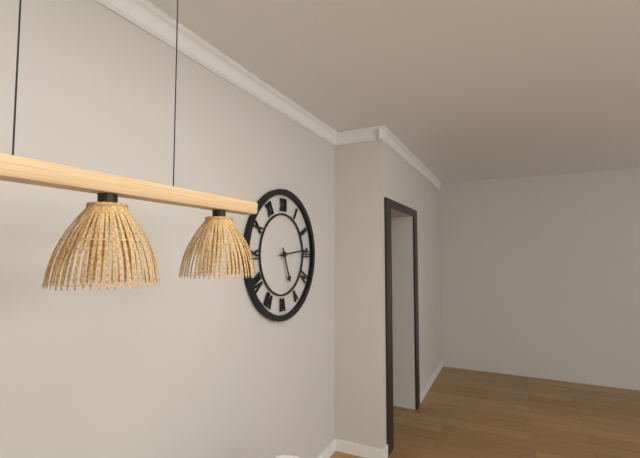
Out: h=5 m=14
